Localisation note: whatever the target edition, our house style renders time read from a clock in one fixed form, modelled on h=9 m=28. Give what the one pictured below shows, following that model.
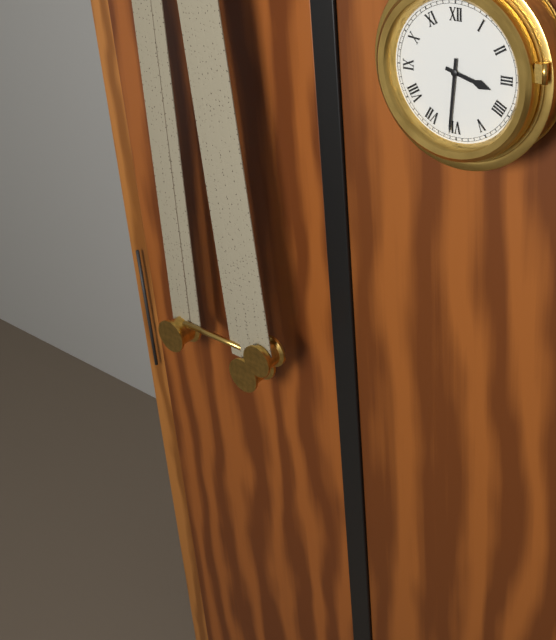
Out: h=3 m=31
